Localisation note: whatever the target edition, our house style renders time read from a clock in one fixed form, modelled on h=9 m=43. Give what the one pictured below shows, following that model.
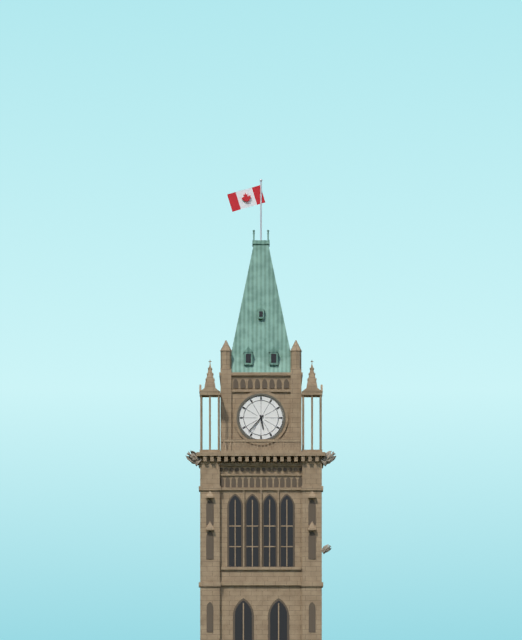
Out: h=5 m=37
